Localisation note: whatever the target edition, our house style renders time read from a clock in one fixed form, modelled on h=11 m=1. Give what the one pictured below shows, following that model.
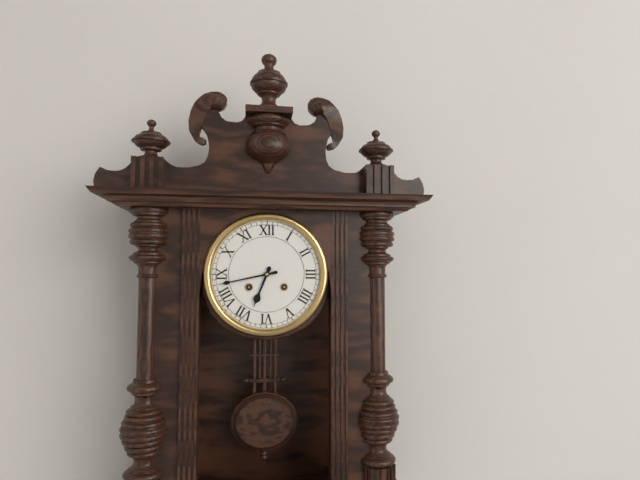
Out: h=6 m=43
